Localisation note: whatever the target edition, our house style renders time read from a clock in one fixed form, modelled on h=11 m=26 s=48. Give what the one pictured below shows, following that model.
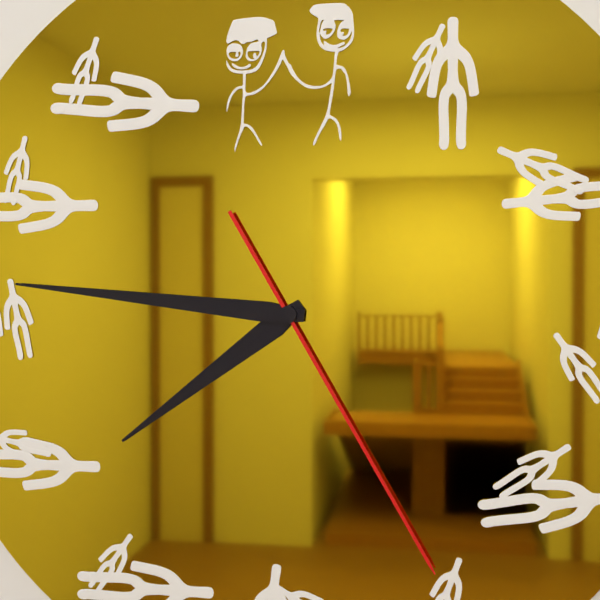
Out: h=7 m=46 s=25
